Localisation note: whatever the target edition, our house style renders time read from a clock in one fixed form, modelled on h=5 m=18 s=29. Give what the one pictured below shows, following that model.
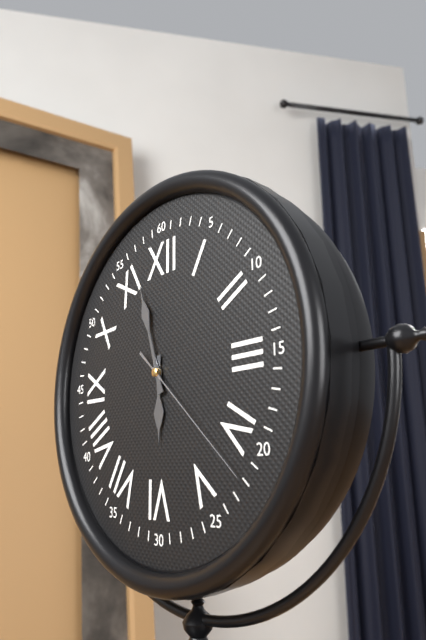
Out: h=5 m=57 s=22
